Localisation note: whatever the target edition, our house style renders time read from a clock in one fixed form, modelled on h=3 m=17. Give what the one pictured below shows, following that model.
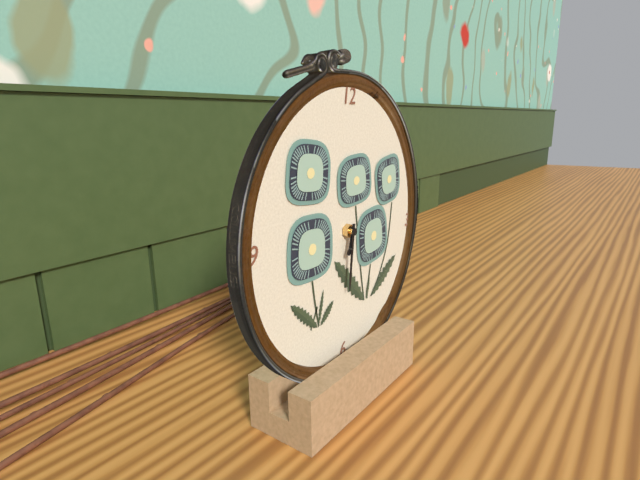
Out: h=6 m=31
